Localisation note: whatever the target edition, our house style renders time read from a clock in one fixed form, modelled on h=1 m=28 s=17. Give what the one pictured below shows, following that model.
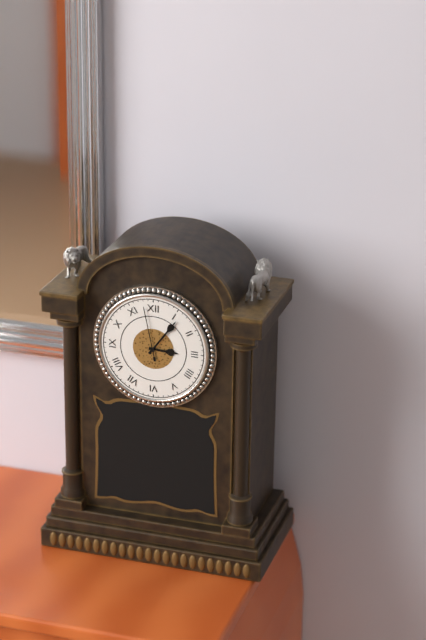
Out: h=3 m=6 s=58
